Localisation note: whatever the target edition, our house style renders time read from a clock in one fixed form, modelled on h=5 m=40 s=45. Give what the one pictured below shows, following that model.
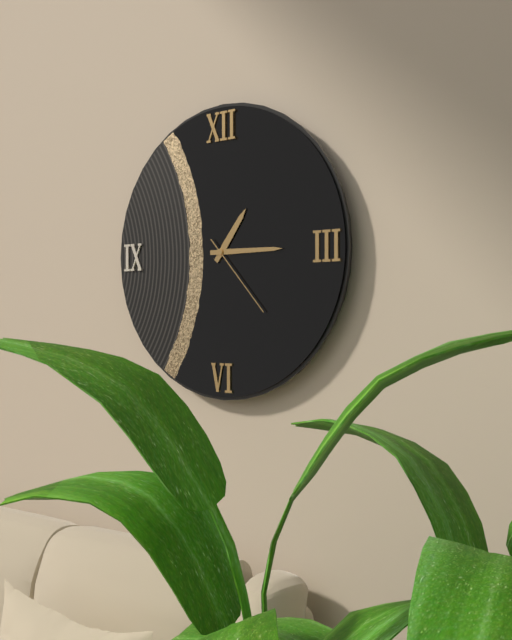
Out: h=1 m=15 s=23
